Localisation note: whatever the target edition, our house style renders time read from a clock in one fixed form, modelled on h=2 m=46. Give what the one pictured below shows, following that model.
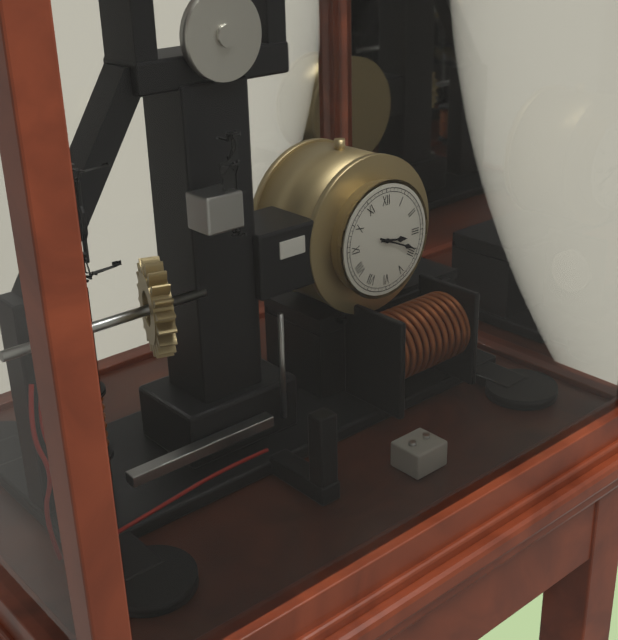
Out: h=3 m=19
